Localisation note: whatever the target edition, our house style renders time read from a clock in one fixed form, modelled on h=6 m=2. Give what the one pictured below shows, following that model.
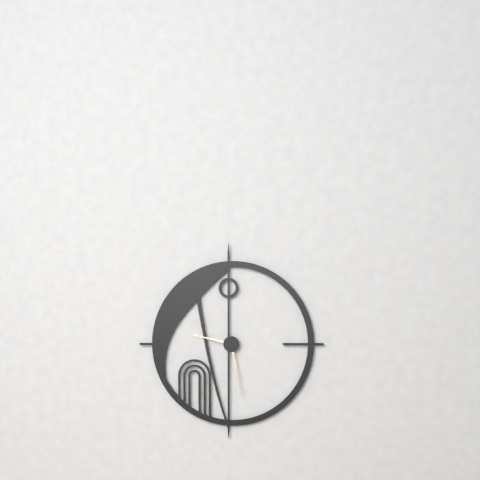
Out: h=9 m=28
